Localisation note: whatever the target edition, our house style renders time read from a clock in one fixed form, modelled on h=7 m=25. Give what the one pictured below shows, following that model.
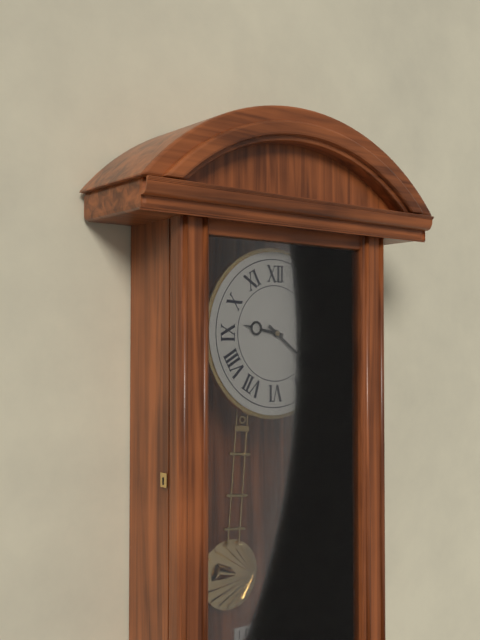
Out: h=9 m=21
